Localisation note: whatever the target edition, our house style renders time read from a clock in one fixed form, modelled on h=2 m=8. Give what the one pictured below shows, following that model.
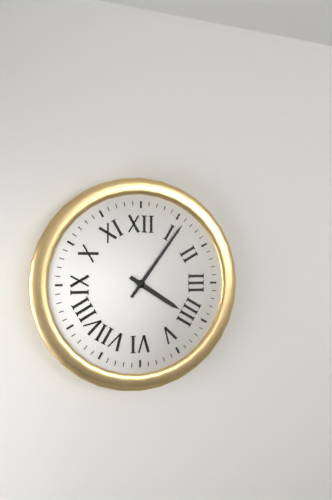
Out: h=4 m=6
